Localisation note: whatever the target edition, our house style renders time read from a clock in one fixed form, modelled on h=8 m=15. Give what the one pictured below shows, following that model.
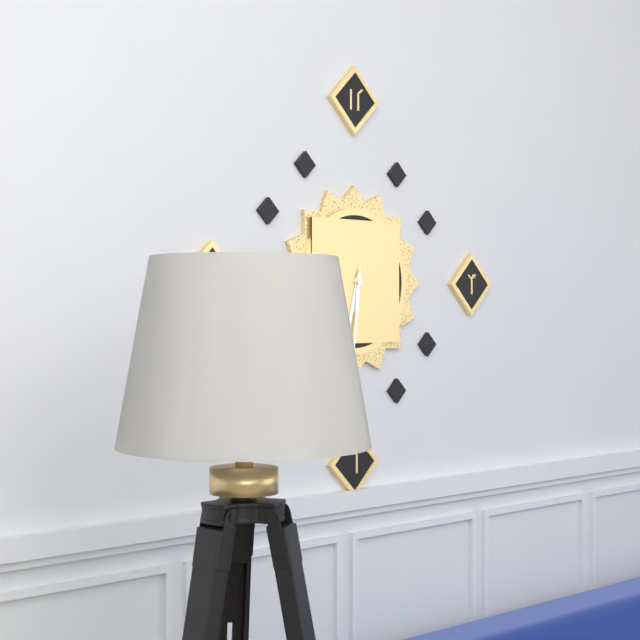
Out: h=6 m=31
